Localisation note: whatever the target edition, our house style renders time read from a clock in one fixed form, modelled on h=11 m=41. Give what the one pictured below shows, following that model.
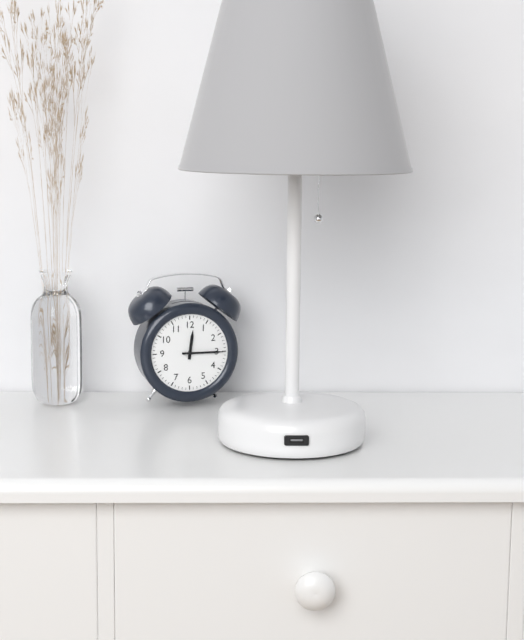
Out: h=12 m=15
